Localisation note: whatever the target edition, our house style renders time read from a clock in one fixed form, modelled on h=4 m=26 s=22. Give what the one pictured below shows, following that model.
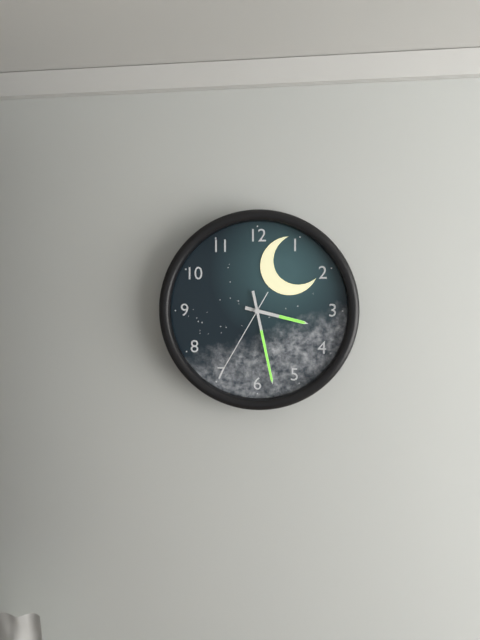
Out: h=3 m=28 s=35
